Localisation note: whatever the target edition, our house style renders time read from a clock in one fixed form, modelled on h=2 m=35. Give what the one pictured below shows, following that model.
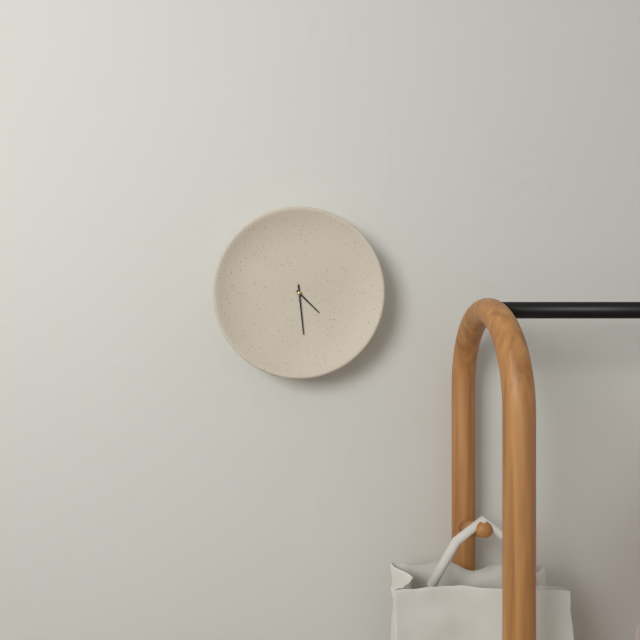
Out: h=4 m=29
